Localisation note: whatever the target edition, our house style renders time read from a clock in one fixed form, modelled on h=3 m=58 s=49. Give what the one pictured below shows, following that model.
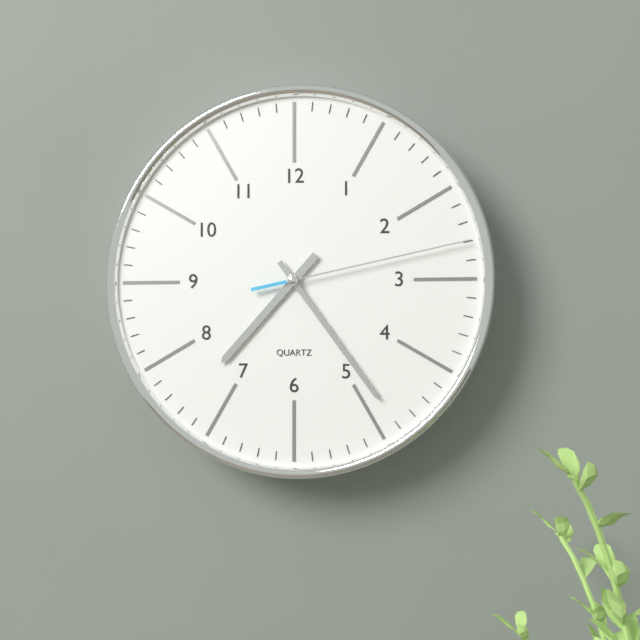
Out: h=7 m=24 s=13
